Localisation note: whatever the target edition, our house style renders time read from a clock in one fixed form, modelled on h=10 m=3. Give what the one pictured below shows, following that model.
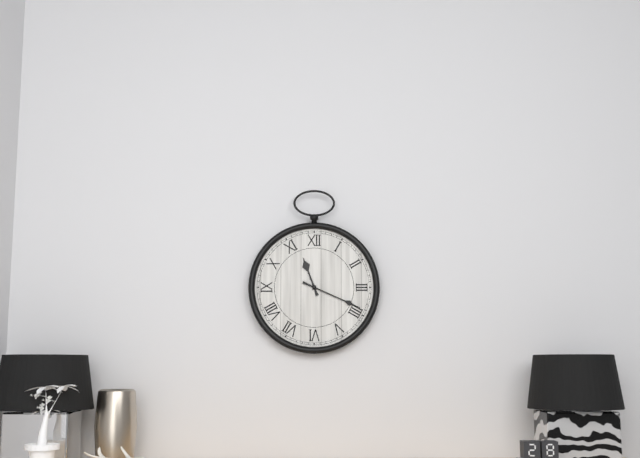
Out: h=11 m=19
